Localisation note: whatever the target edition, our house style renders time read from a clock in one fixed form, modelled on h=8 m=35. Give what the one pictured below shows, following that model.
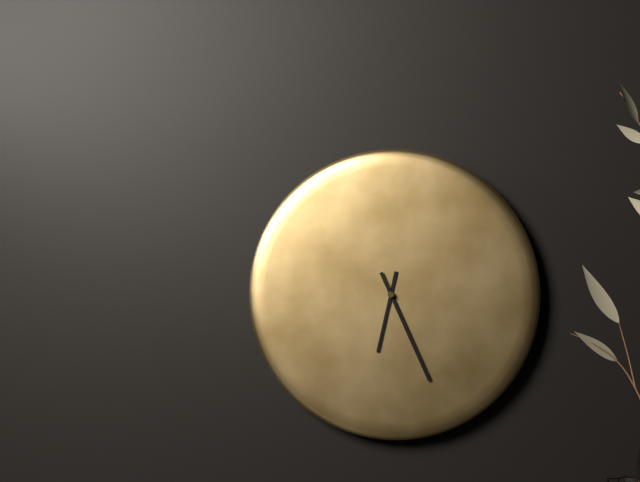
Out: h=6 m=26
